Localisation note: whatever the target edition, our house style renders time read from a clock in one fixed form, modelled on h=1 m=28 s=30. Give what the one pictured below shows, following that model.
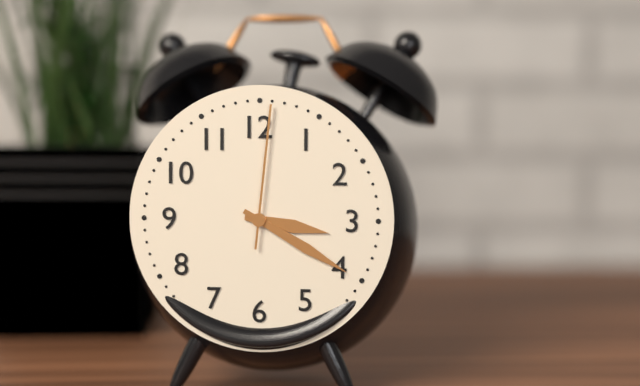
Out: h=3 m=20 s=1
